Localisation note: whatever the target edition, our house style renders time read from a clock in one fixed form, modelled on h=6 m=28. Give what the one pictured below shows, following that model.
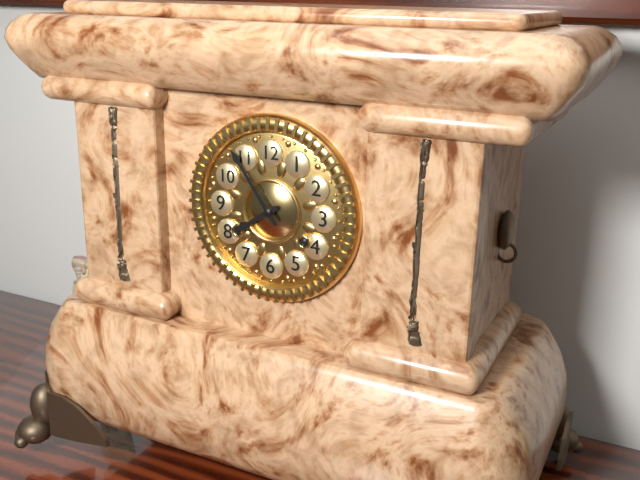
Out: h=7 m=54
